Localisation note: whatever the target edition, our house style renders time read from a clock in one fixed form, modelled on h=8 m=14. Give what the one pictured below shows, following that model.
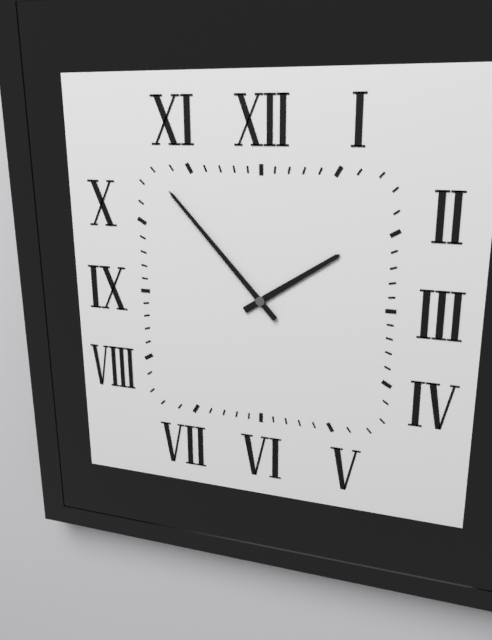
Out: h=1 m=53
